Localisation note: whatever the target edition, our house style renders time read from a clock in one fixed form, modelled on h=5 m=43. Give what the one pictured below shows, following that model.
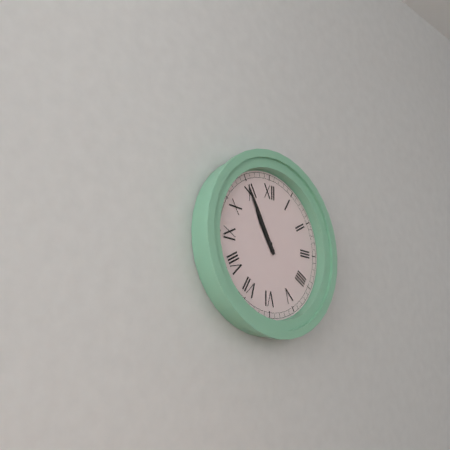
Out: h=10 m=55
